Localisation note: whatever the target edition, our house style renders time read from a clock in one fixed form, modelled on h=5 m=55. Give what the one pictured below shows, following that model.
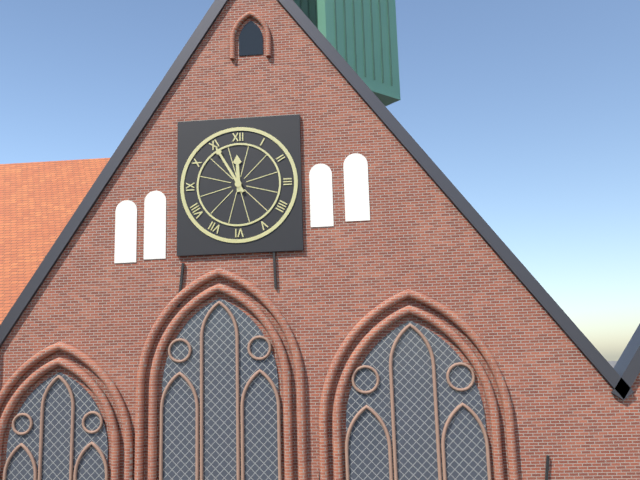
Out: h=11 m=55
